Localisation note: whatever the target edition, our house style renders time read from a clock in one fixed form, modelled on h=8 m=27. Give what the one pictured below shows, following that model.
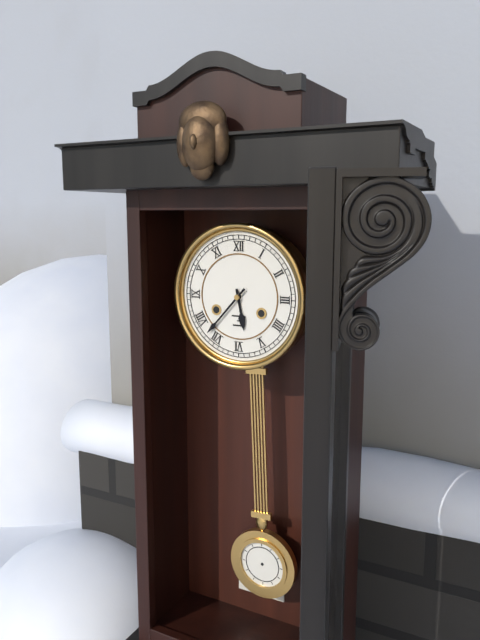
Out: h=5 m=37
